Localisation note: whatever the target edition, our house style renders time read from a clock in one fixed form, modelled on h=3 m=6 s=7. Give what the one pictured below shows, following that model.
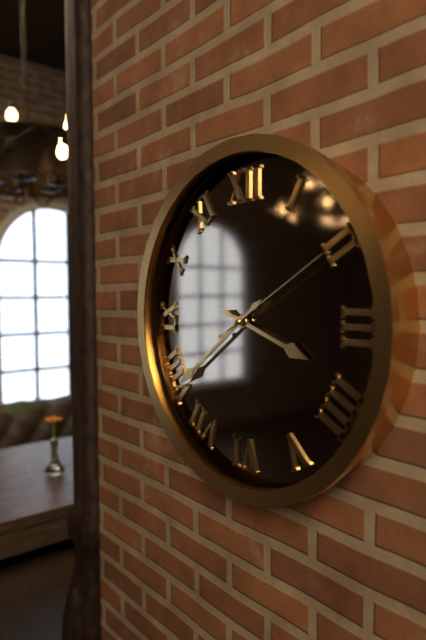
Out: h=3 m=39 s=10
